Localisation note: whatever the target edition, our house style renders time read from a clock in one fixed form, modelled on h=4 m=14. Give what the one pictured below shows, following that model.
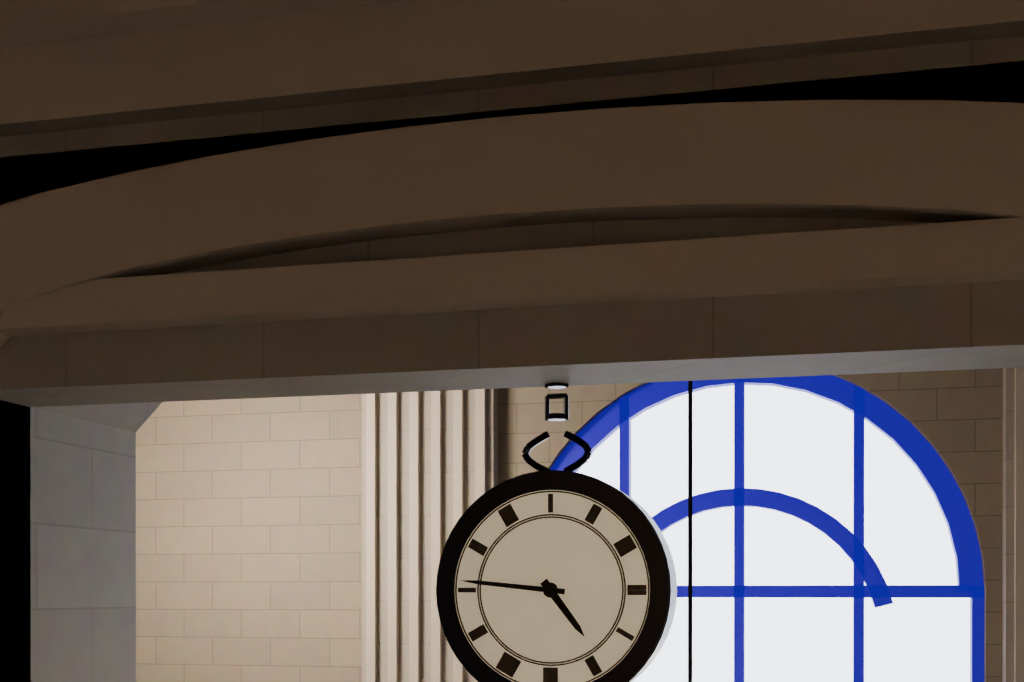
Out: h=4 m=46
